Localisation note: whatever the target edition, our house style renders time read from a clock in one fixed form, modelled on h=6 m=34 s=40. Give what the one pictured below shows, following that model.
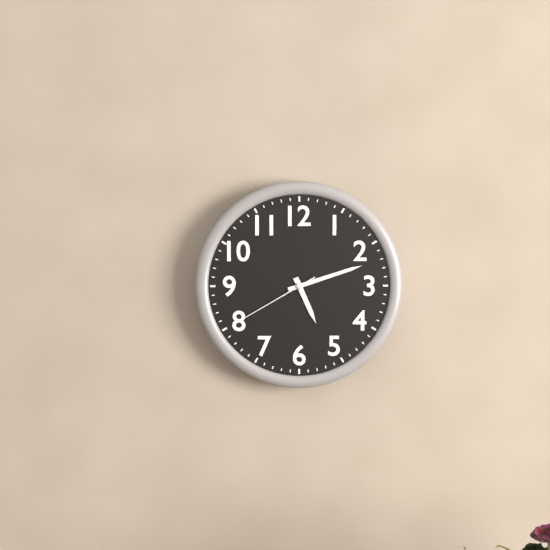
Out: h=5 m=12 s=40
